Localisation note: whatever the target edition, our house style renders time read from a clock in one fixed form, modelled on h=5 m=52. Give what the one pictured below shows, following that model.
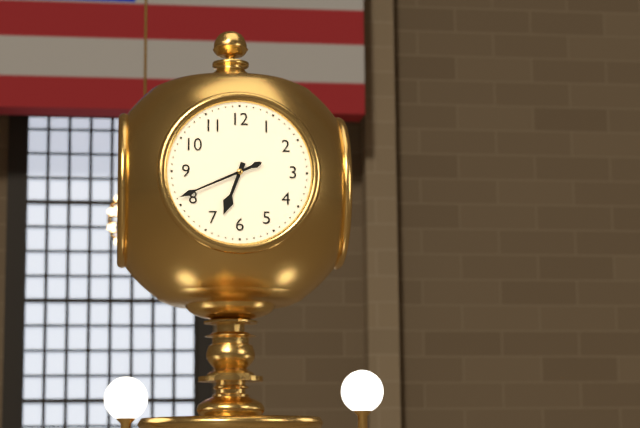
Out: h=6 m=41
